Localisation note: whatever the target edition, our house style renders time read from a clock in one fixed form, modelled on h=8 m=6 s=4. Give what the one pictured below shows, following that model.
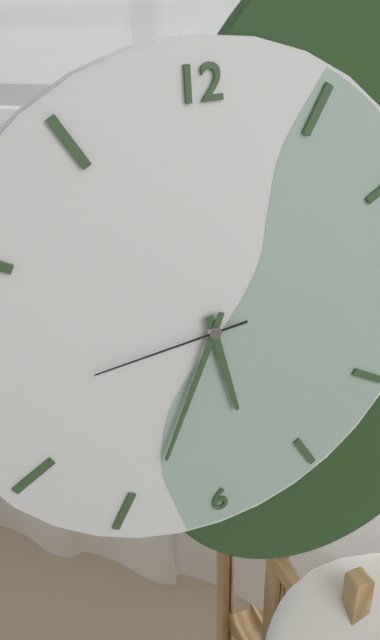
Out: h=5 m=34 s=44
